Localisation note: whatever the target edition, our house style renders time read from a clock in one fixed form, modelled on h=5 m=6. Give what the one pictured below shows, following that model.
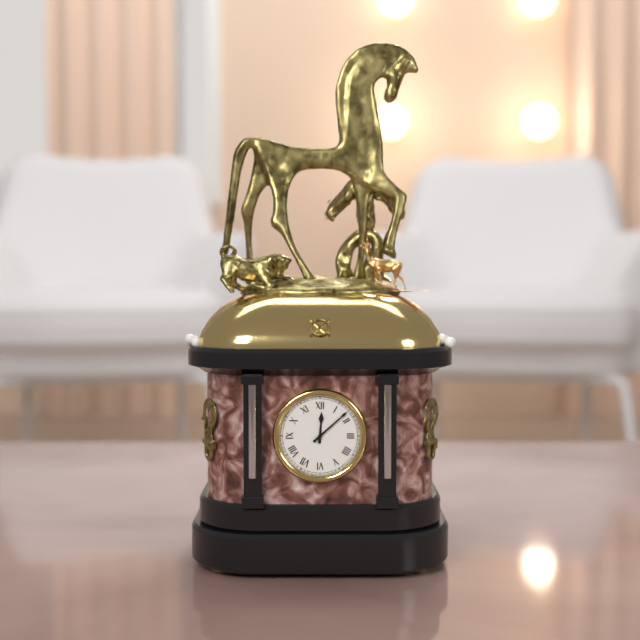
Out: h=12 m=8
